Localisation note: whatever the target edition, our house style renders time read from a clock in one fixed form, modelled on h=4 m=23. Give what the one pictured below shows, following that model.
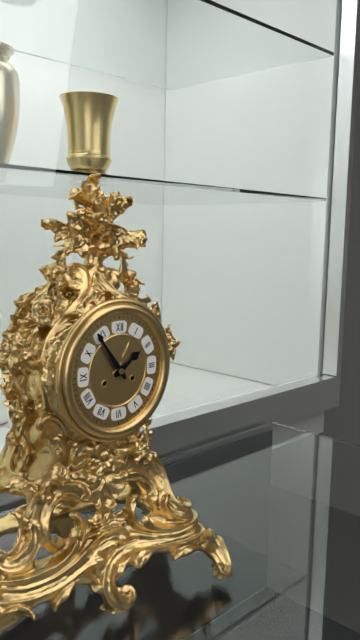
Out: h=1 m=54
